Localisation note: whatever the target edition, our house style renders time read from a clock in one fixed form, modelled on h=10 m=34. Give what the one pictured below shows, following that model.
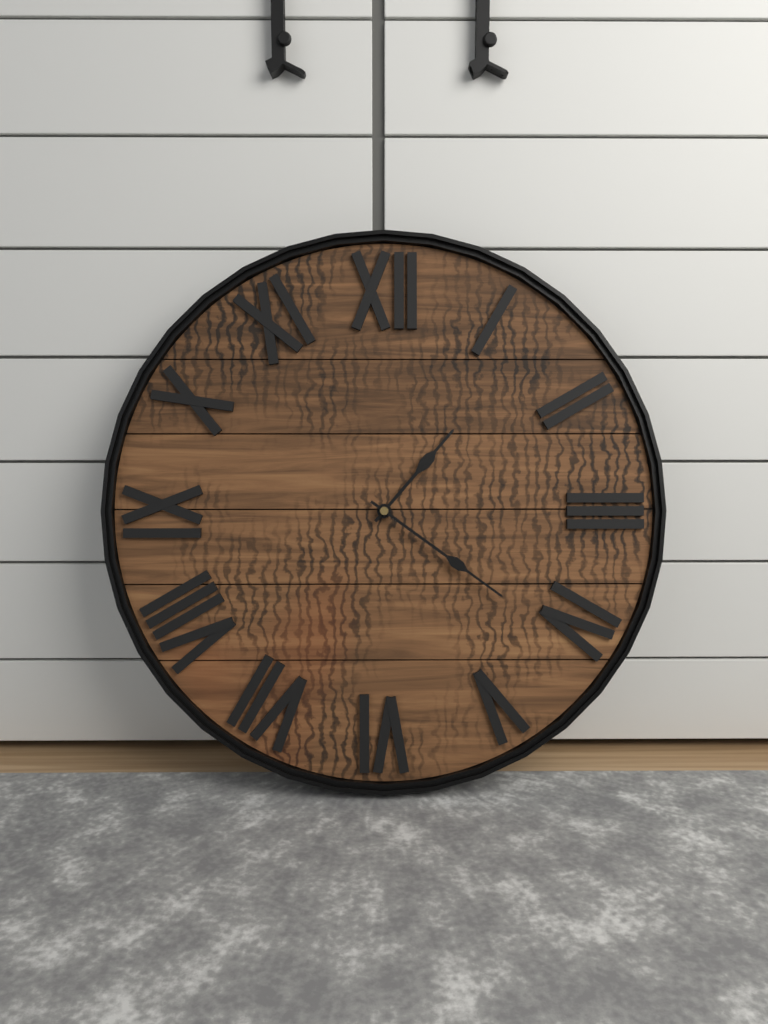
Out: h=1 m=21
